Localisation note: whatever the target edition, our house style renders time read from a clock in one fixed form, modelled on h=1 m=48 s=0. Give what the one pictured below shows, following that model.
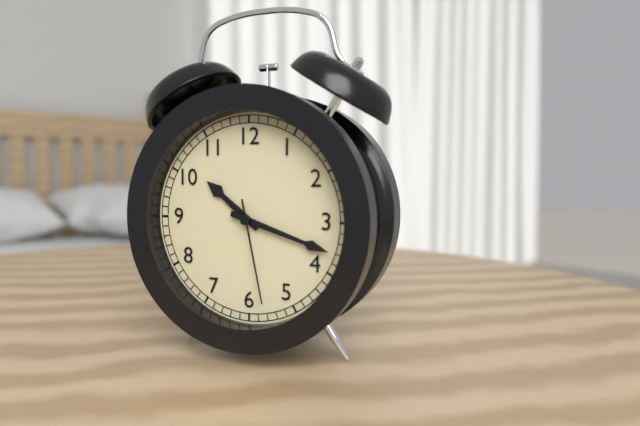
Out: h=10 m=18 s=28
